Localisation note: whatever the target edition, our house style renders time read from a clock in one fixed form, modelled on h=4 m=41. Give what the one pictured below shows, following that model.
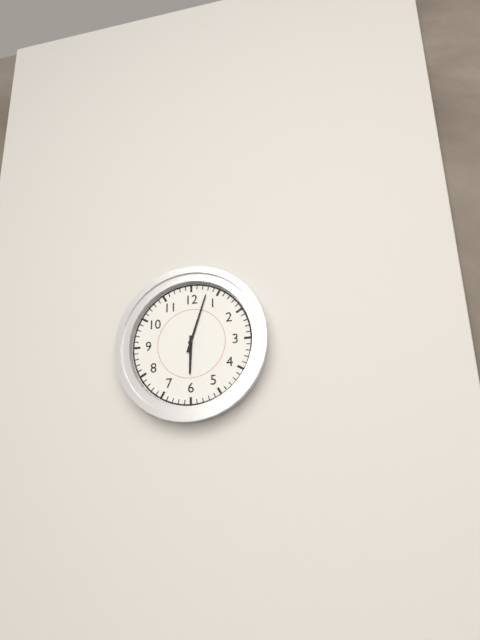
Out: h=6 m=3
